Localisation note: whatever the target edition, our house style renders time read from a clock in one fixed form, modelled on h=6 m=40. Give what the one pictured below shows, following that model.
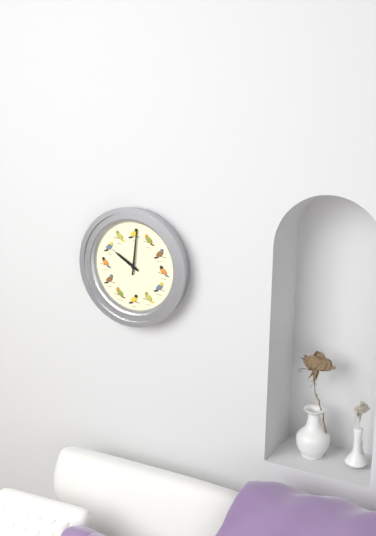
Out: h=10 m=1
